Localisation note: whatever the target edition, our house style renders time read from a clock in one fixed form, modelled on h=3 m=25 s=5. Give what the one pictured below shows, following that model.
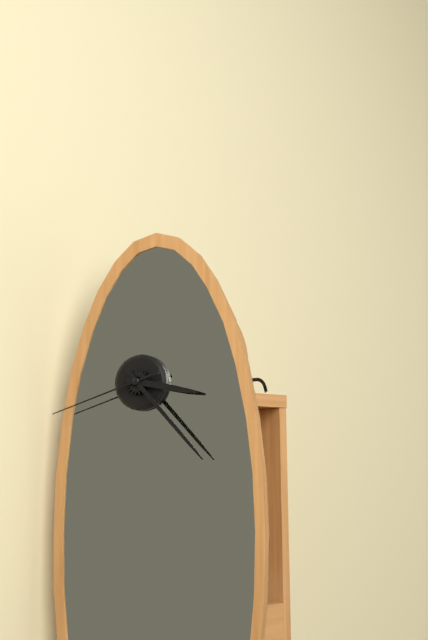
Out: h=3 m=23 s=42
